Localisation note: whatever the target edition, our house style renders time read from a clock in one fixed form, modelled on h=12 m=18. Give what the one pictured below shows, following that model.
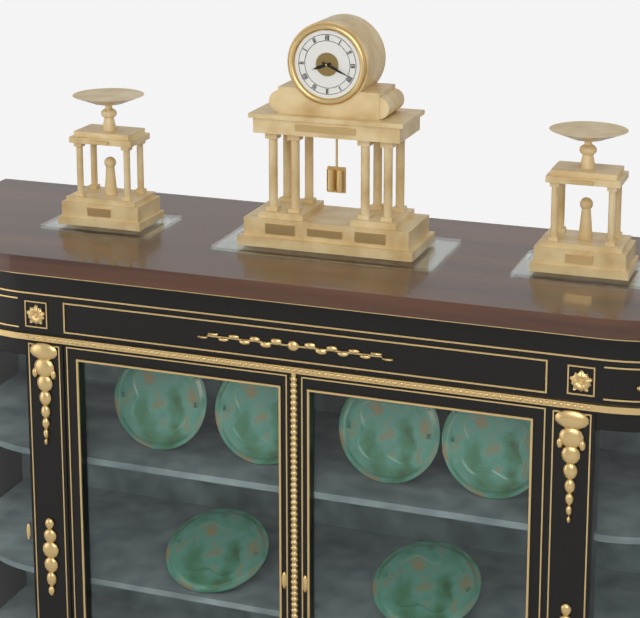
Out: h=8 m=19
